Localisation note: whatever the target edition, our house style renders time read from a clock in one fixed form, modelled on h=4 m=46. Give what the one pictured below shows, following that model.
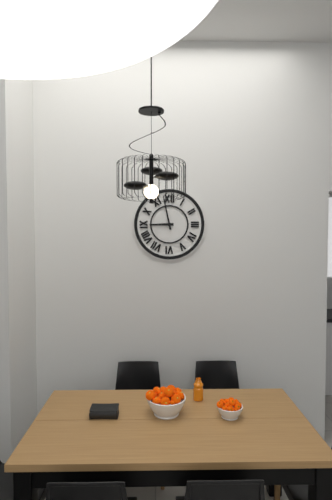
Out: h=8 m=58
